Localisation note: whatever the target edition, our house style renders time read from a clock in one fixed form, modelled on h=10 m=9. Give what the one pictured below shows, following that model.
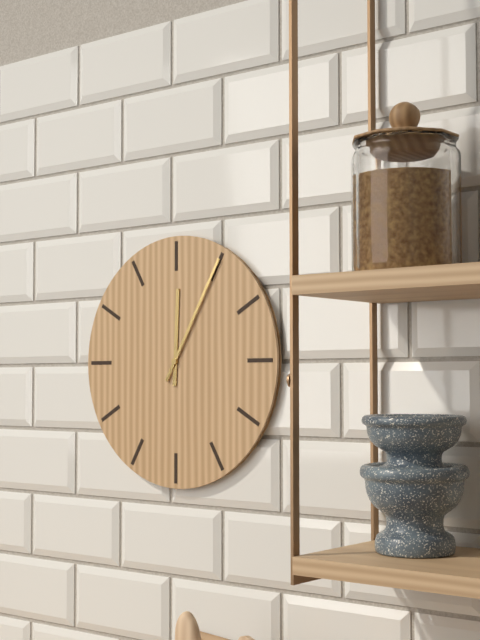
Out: h=12 m=5
